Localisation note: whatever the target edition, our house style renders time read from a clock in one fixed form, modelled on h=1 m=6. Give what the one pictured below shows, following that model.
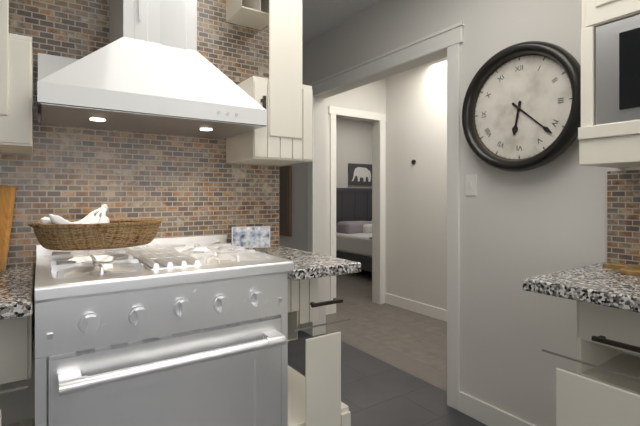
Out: h=6 m=22
